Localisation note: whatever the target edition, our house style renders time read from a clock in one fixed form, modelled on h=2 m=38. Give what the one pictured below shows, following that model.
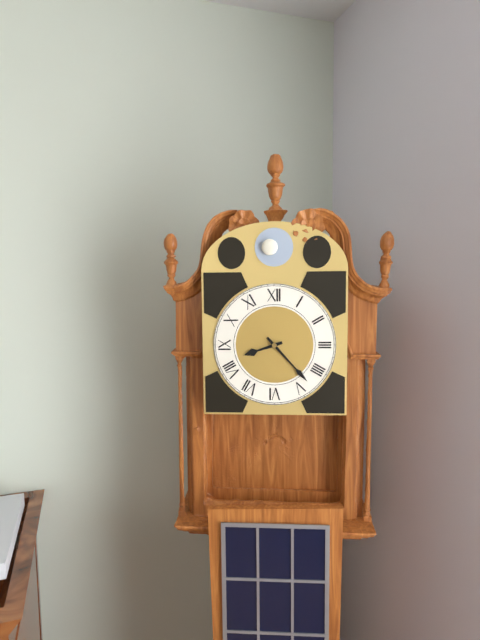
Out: h=8 m=23
